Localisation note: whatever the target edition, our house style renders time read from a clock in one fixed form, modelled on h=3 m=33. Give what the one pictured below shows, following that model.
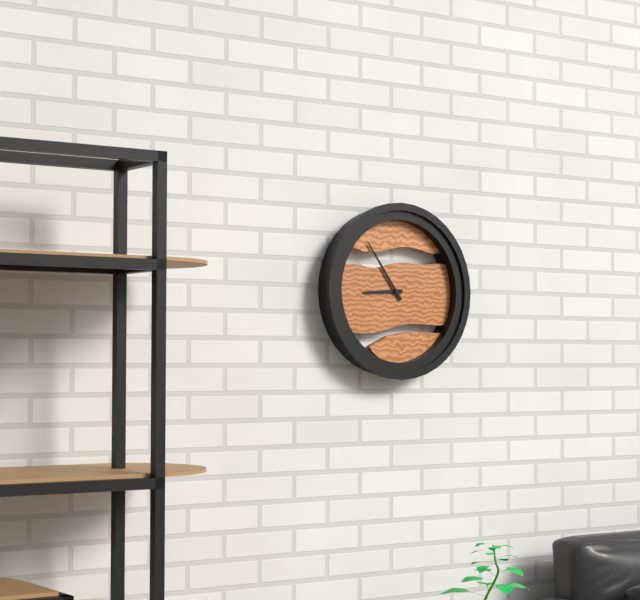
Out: h=8 m=54
